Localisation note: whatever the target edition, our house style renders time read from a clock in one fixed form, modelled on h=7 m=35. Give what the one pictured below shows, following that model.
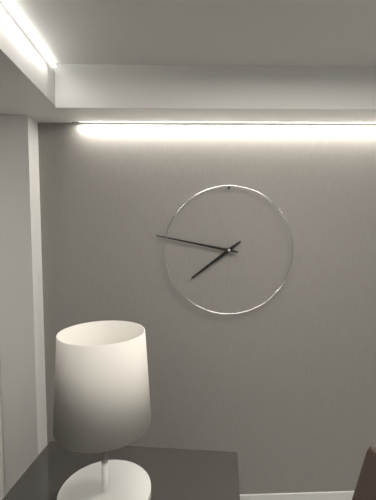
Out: h=7 m=47
